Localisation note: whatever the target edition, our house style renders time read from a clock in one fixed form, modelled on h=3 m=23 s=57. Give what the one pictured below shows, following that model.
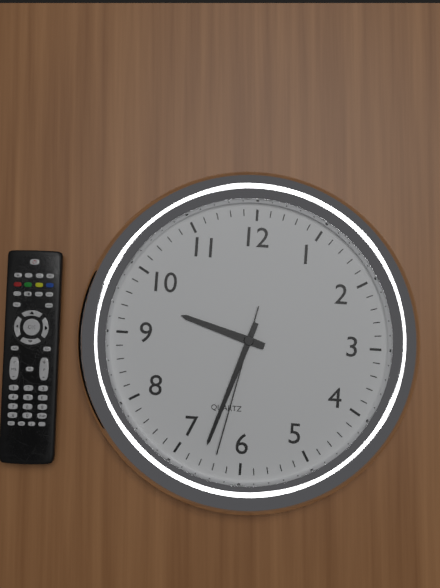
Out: h=9 m=33 s=32
